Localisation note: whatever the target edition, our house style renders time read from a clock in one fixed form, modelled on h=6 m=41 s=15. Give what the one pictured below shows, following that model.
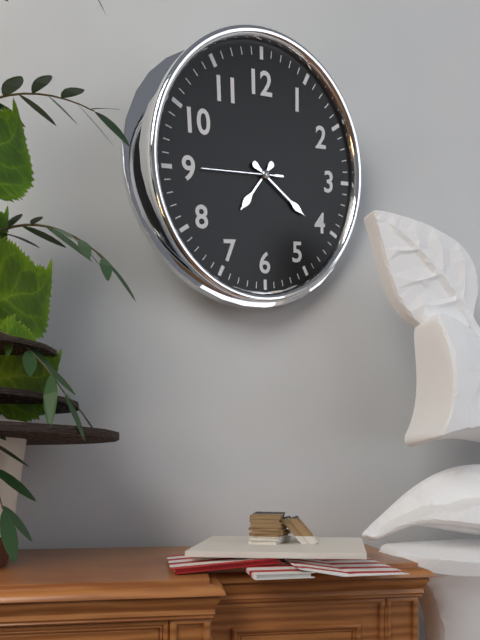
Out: h=7 m=21 s=45
